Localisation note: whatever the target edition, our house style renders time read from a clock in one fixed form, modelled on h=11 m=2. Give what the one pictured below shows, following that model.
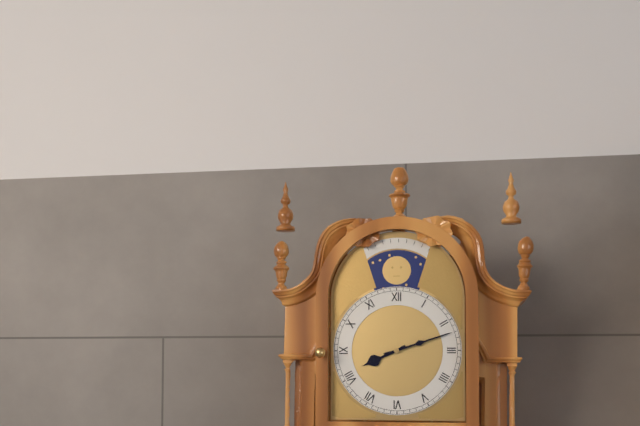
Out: h=8 m=12
